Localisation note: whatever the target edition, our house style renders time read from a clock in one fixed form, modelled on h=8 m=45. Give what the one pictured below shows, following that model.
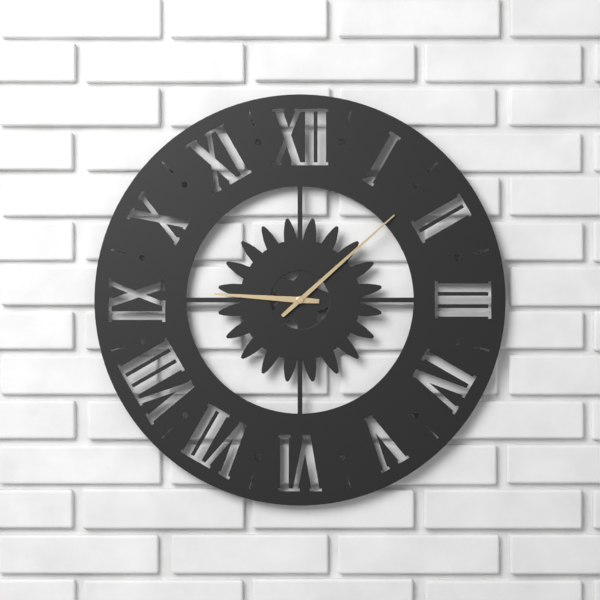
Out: h=9 m=8
